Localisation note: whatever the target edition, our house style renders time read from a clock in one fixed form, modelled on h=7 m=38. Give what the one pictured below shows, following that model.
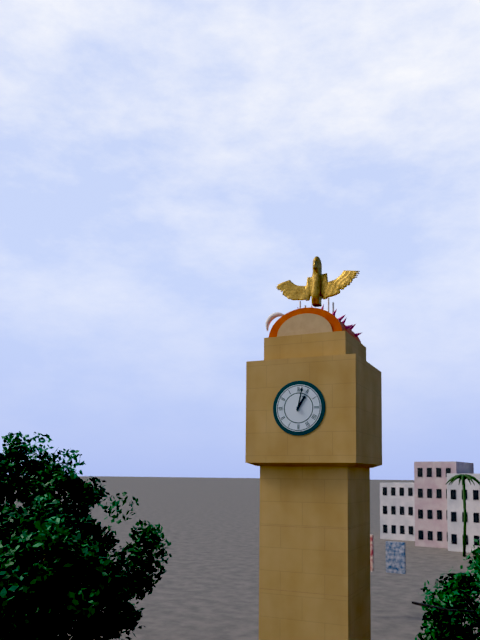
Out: h=1 m=2
